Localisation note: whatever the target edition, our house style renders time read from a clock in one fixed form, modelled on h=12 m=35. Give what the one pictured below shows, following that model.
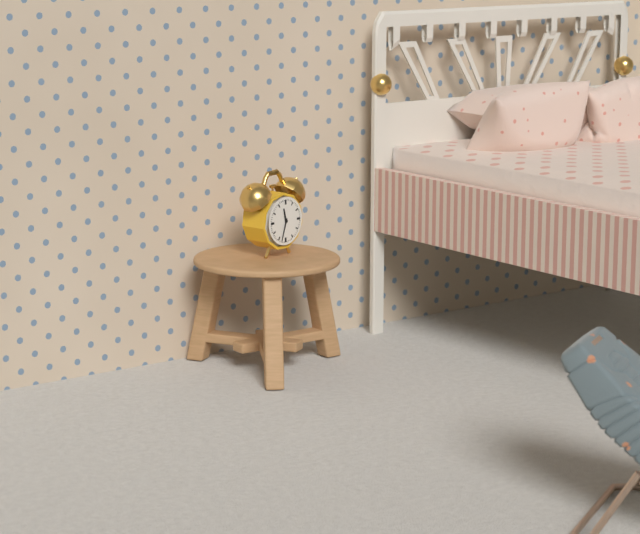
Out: h=11 m=33
